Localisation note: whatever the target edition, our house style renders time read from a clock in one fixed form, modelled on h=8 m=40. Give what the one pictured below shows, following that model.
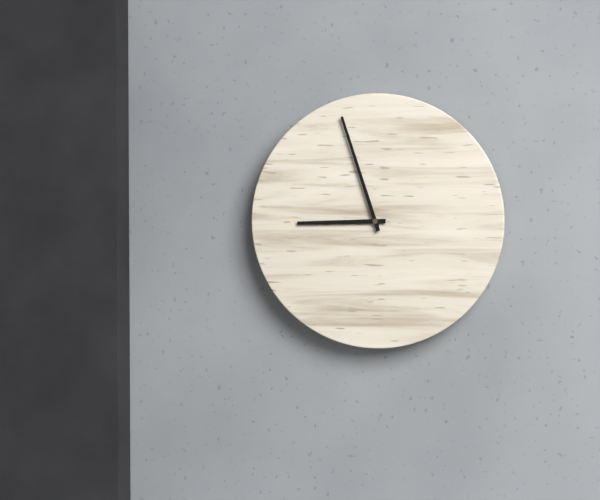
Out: h=8 m=57
